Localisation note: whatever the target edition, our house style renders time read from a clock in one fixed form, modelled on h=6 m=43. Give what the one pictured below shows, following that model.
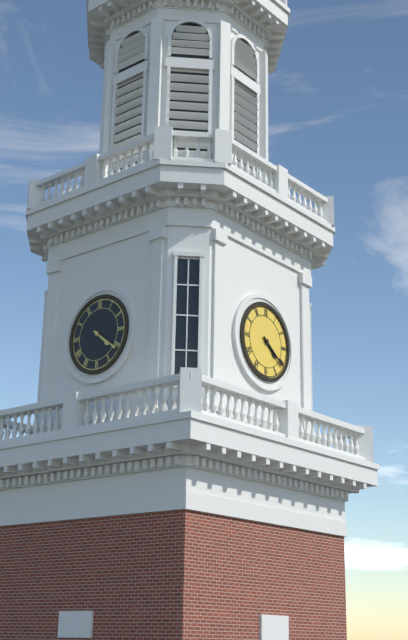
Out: h=4 m=21
